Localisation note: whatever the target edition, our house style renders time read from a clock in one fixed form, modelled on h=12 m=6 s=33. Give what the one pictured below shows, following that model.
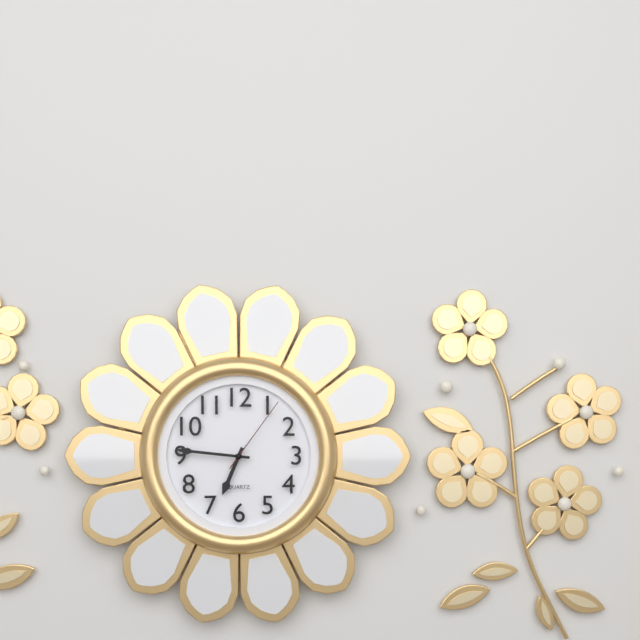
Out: h=6 m=46 s=6
